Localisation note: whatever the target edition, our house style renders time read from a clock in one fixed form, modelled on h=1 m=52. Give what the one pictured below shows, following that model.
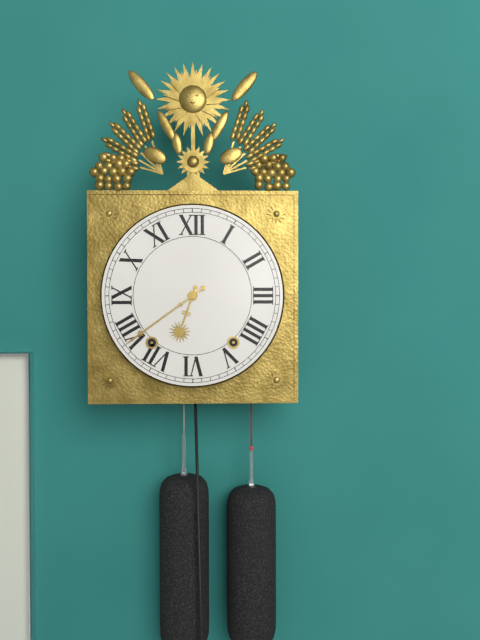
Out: h=6 m=39
